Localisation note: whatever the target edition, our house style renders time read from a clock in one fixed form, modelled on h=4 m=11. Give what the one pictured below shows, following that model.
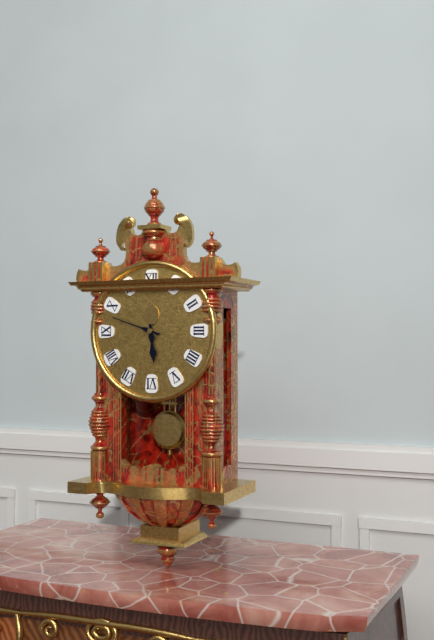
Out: h=5 m=48
